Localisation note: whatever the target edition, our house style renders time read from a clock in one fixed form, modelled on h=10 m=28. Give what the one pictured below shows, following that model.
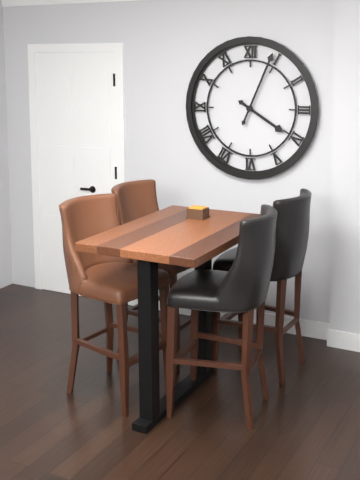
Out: h=4 m=4
